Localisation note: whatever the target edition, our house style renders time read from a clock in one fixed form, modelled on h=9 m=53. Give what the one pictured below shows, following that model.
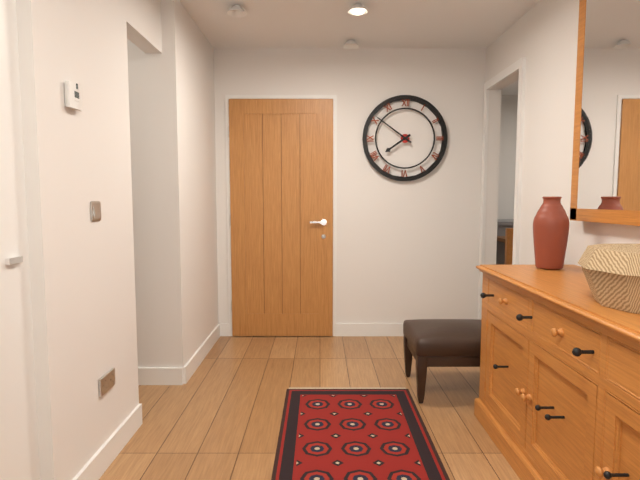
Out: h=7 m=51
